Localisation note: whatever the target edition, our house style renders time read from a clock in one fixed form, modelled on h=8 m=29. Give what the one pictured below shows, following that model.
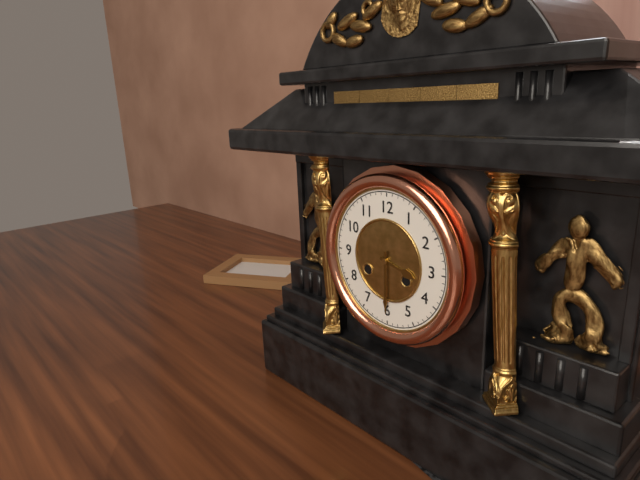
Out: h=3 m=30
